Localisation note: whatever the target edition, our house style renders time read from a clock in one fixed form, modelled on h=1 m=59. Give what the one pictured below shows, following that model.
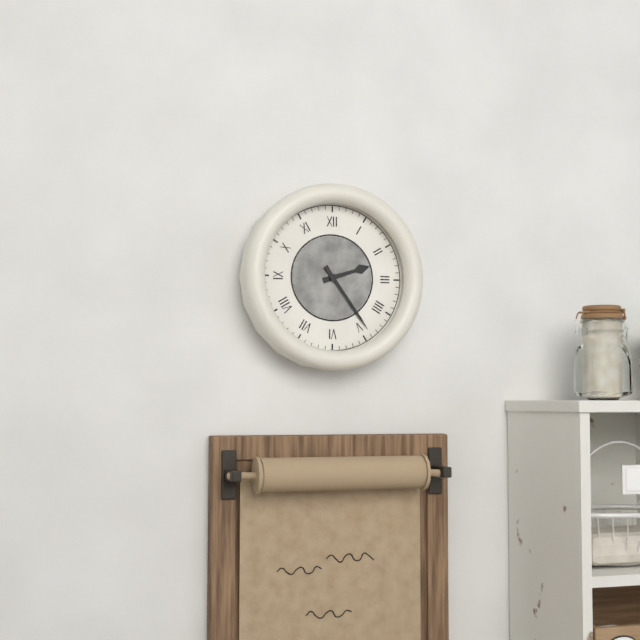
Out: h=2 m=24
